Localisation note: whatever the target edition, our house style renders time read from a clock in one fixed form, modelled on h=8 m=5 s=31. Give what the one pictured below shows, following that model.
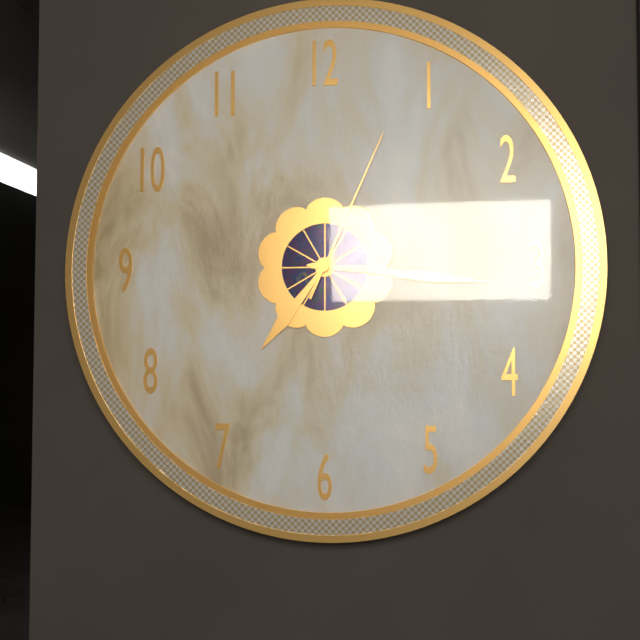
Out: h=7 m=16 s=4
